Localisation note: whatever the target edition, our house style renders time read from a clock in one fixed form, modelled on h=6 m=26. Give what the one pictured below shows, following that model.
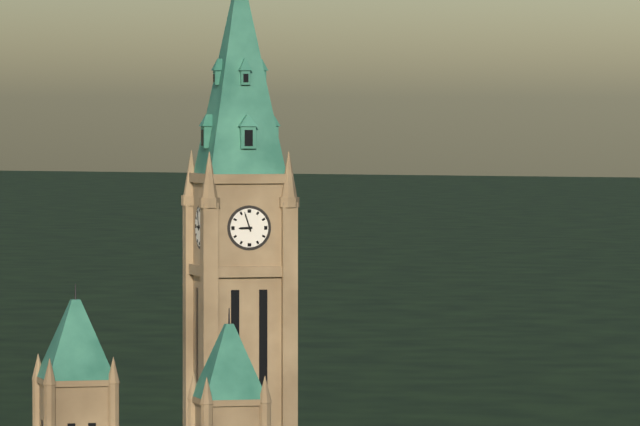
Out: h=8 m=57
